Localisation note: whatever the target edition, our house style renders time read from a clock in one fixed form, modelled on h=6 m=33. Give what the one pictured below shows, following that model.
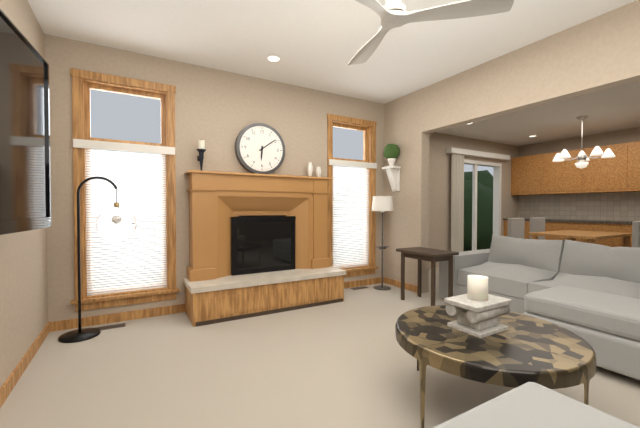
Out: h=6 m=9
